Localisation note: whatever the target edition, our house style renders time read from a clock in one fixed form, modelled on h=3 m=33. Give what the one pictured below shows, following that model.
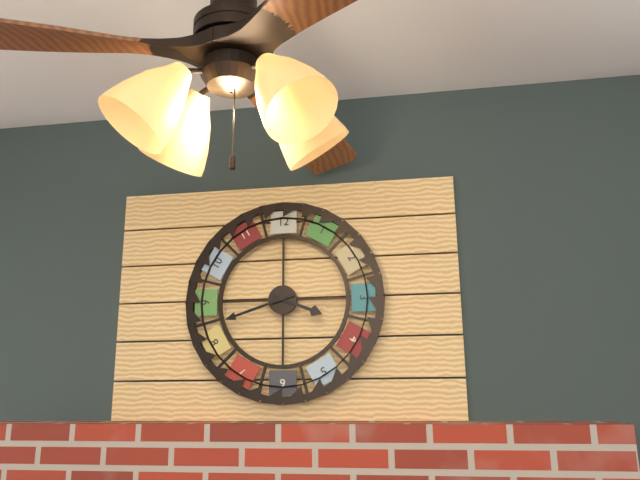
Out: h=3 m=42
